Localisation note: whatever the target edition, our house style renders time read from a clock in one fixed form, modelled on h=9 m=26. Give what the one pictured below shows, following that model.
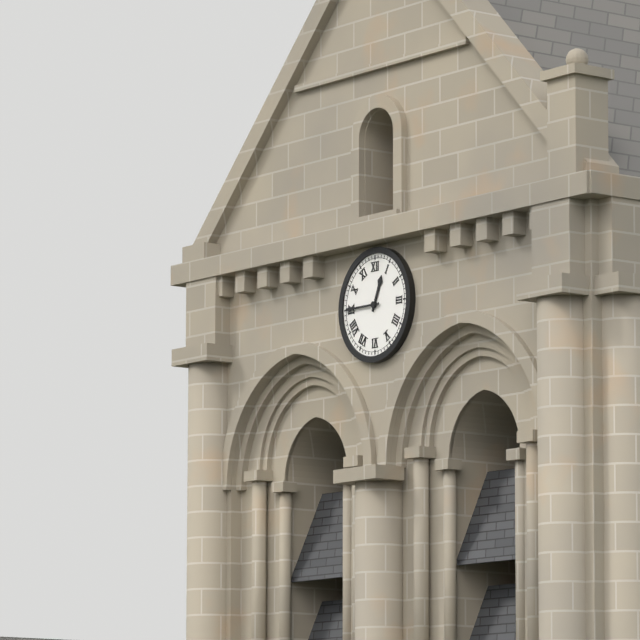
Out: h=12 m=45
